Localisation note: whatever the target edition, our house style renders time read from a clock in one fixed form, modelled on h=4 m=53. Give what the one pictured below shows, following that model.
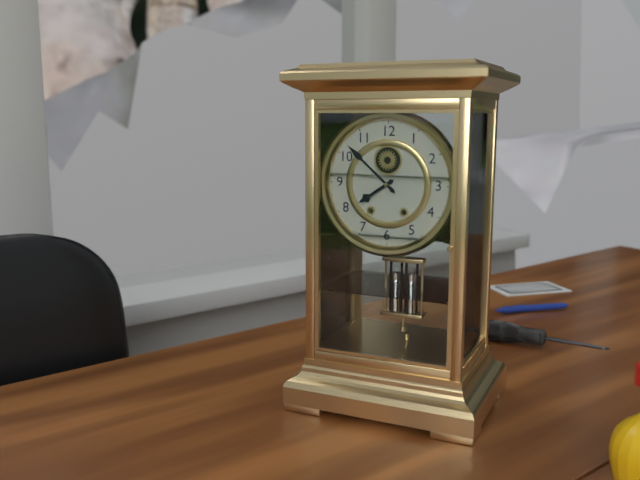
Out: h=7 m=52
